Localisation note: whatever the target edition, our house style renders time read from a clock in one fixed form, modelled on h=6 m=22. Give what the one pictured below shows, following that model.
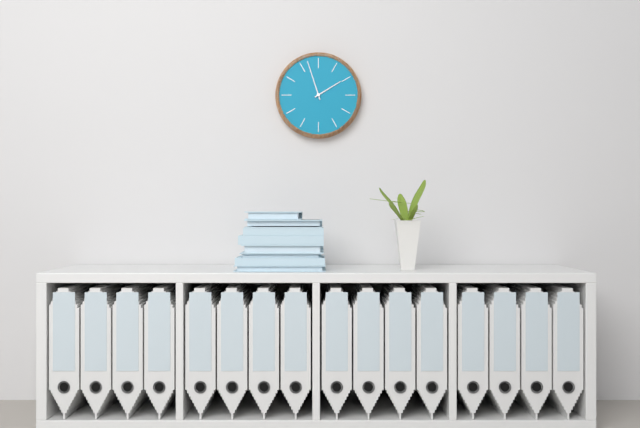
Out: h=1 m=57
